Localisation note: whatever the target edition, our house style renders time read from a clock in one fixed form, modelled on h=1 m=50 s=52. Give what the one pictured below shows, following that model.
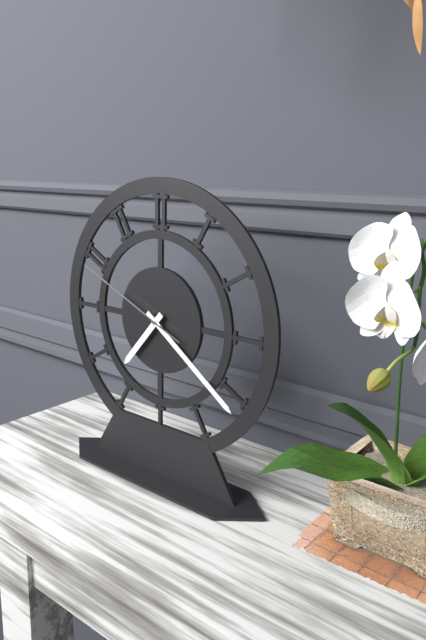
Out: h=7 m=21 s=49
